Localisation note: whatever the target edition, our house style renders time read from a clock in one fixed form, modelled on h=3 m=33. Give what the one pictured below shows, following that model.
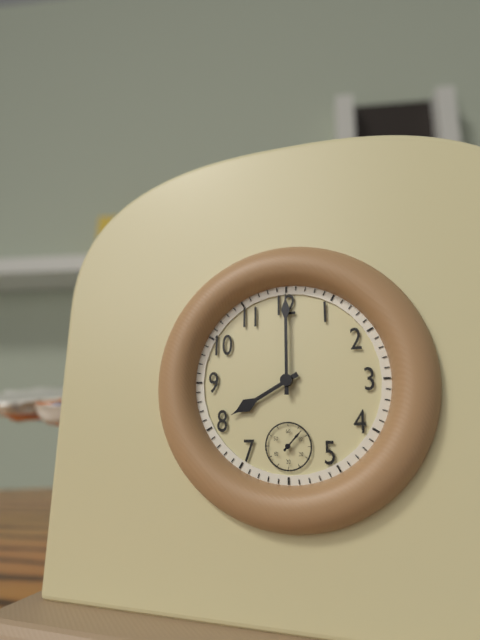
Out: h=8 m=0
